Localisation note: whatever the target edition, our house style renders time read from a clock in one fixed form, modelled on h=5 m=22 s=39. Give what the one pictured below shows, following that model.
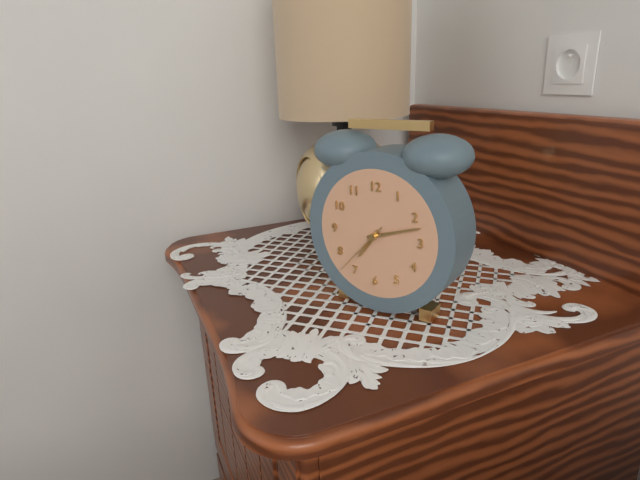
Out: h=7 m=12 s=37
